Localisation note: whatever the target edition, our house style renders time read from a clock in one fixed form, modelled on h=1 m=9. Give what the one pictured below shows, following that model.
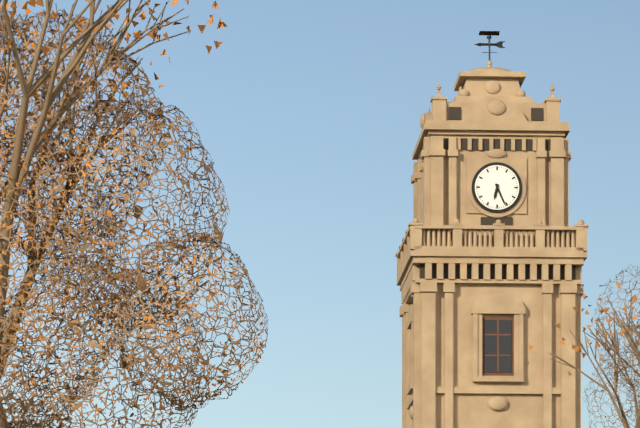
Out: h=6 m=26
